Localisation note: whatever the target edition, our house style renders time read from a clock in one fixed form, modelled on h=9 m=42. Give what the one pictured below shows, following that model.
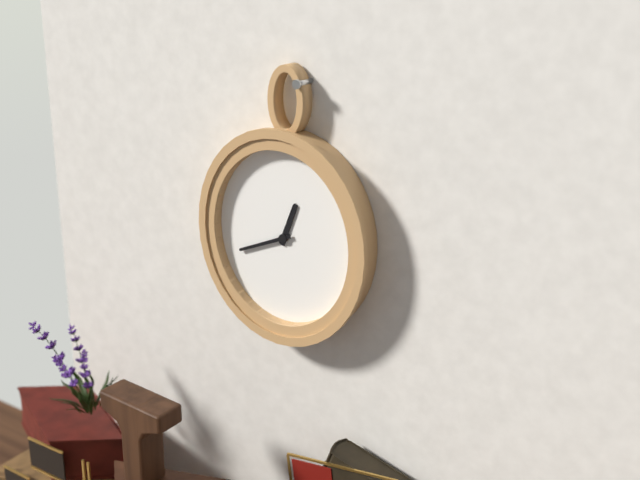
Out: h=12 m=41
